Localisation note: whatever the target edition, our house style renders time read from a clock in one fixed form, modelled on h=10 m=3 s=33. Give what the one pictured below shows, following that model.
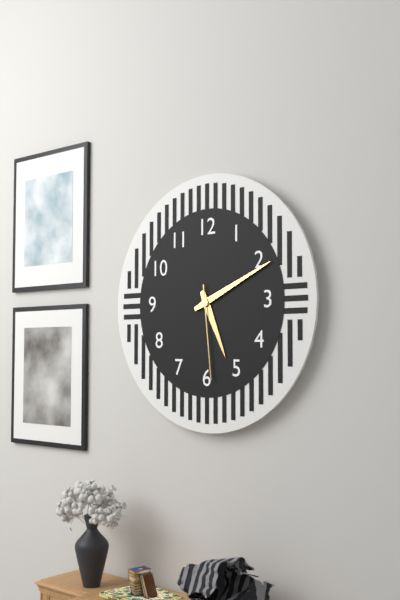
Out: h=5 m=11 s=29
